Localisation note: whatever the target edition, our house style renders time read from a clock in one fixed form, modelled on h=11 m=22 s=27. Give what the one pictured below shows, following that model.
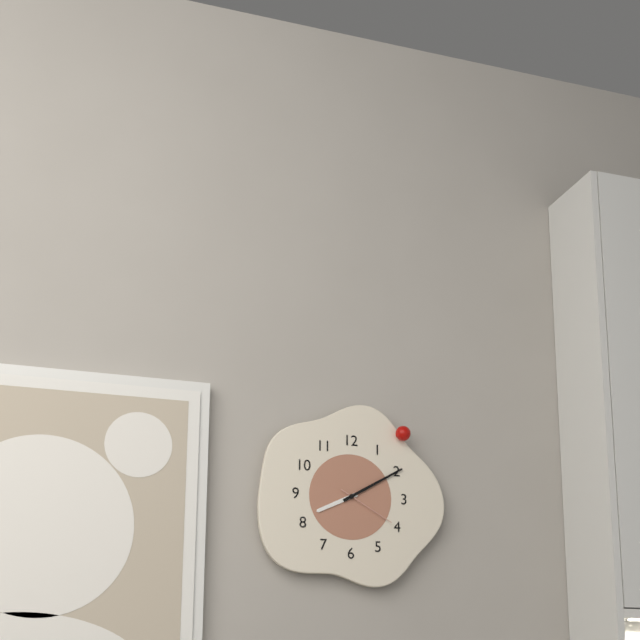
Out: h=8 m=10 s=20
